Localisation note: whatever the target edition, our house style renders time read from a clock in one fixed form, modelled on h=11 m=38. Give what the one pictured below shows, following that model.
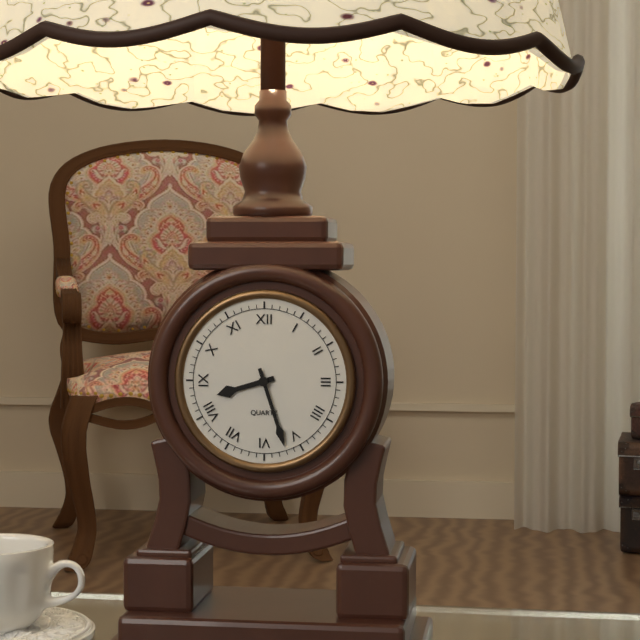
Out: h=8 m=27
